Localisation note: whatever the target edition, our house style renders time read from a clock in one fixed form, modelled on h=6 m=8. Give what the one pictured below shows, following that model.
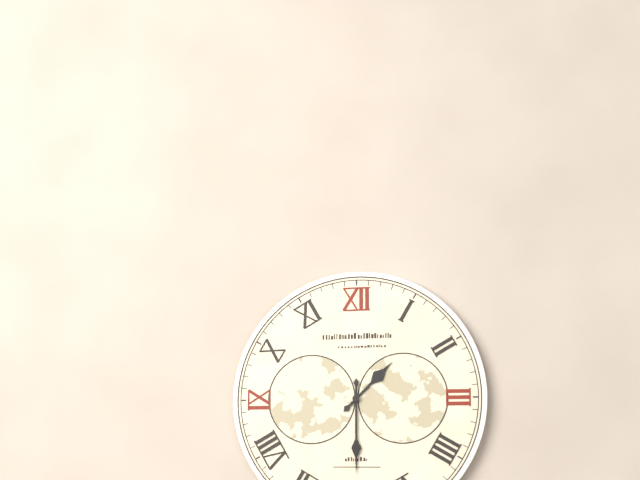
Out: h=1 m=30
